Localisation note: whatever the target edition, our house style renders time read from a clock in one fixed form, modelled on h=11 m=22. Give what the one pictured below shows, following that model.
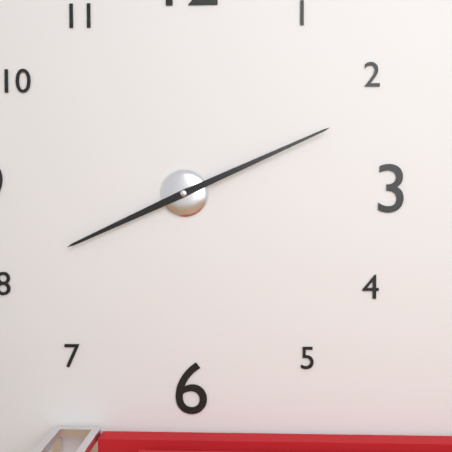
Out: h=8 m=11
